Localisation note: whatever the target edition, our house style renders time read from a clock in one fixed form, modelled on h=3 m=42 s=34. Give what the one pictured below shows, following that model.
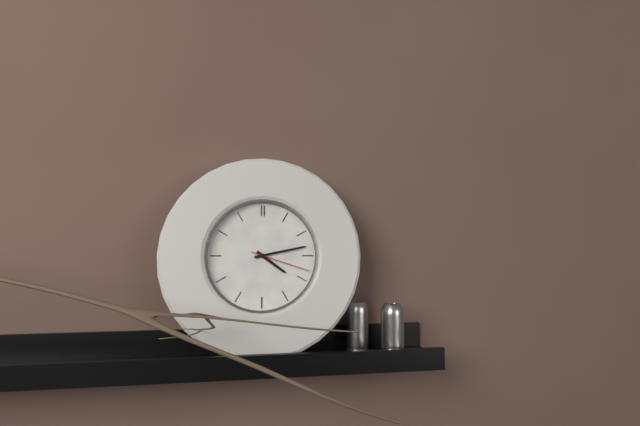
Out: h=4 m=13 s=18
